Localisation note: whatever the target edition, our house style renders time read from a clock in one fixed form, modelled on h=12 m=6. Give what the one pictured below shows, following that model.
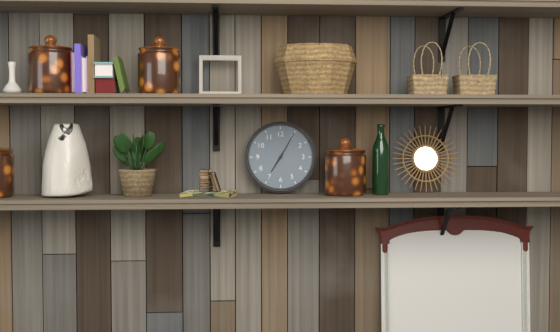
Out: h=7 m=5
